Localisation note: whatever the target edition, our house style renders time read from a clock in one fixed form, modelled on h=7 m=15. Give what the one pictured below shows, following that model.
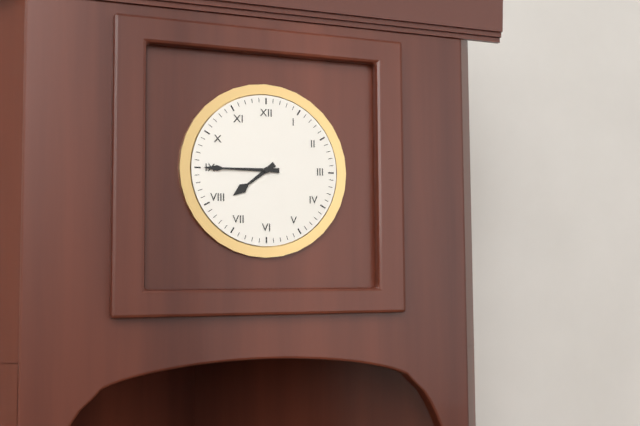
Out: h=7 m=45
